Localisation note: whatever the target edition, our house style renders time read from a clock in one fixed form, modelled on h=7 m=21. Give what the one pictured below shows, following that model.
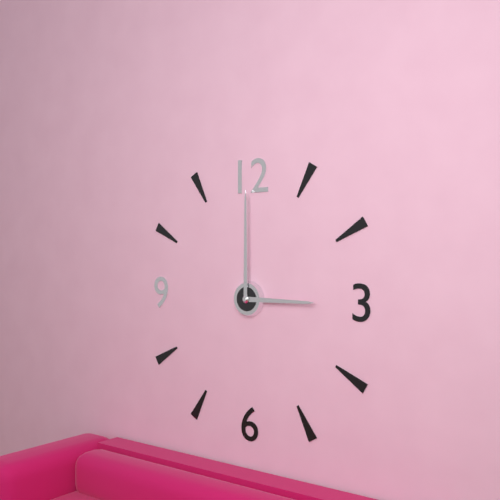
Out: h=3 m=0
